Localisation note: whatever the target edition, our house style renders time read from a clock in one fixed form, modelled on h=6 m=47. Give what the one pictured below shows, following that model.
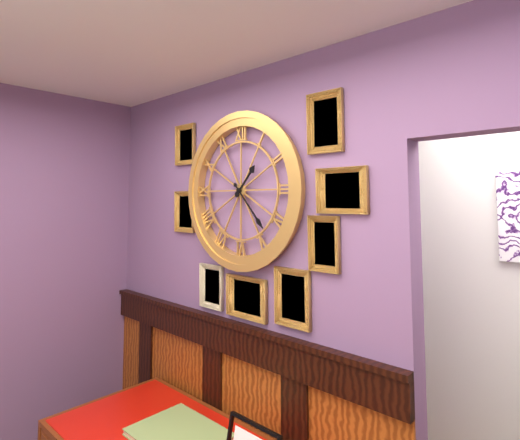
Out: h=1 m=23
